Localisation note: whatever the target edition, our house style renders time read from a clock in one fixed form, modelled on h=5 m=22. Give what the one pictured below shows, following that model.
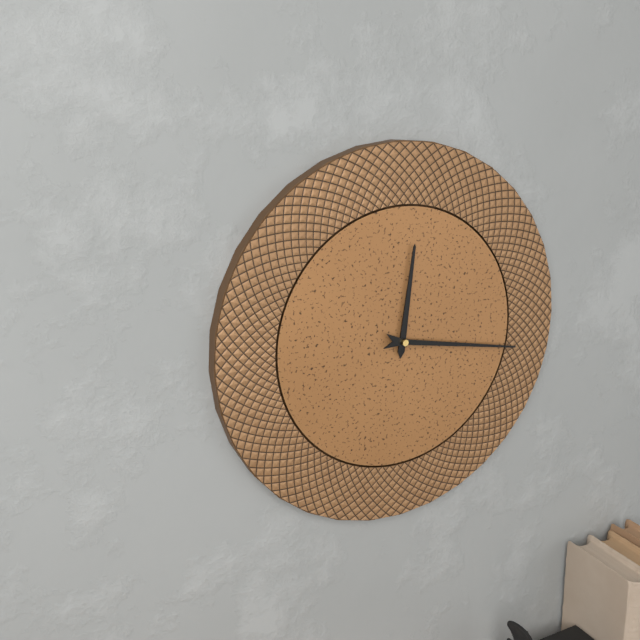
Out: h=12 m=17
